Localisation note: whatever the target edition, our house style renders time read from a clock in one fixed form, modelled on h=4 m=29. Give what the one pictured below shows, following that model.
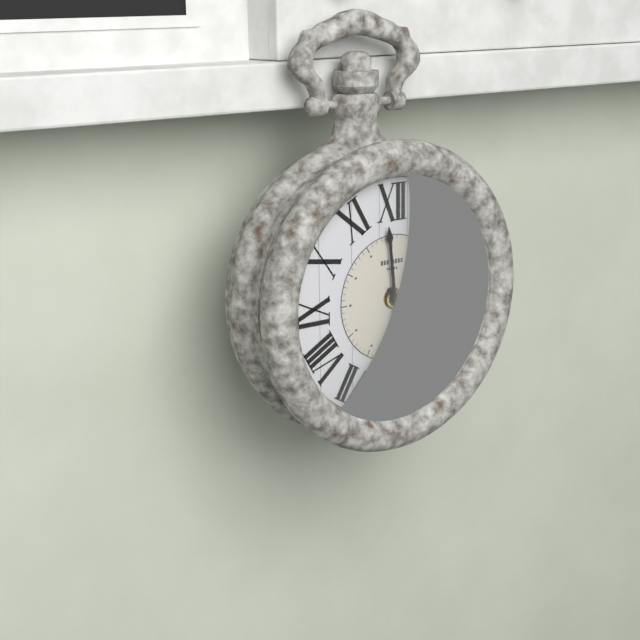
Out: h=4 m=59
